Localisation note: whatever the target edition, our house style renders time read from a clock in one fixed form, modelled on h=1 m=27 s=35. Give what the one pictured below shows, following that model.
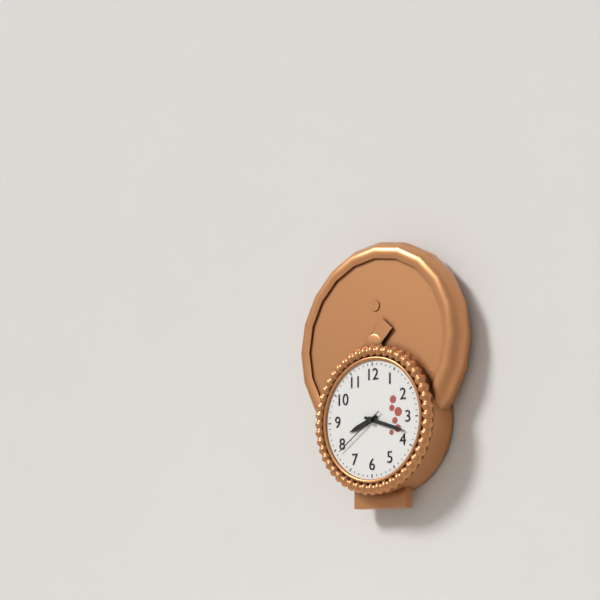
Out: h=8 m=18 s=39
